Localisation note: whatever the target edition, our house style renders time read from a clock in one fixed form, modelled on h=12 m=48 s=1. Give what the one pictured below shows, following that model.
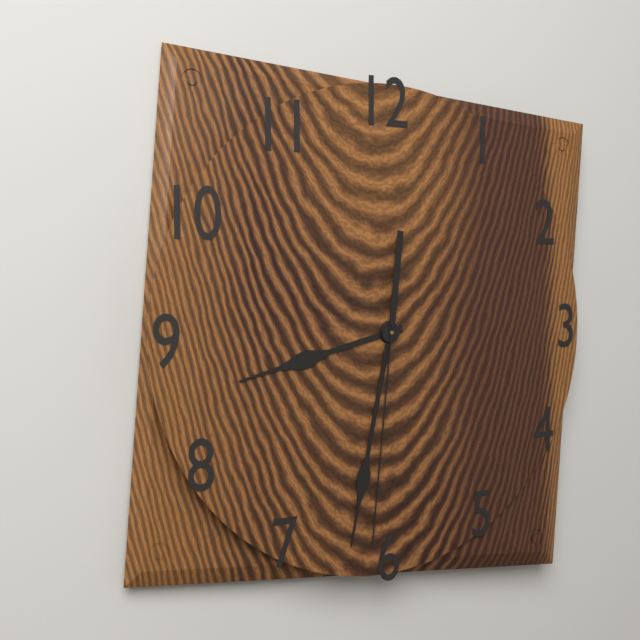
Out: h=8 m=32 s=31
